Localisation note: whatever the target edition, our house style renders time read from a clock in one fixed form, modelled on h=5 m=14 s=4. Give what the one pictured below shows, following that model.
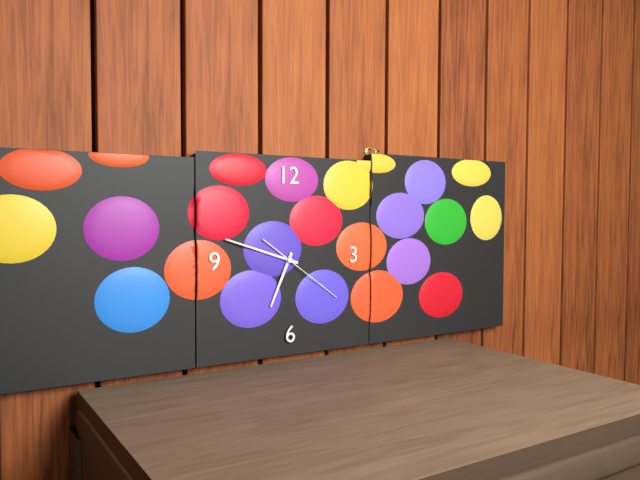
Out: h=6 m=48 s=21
